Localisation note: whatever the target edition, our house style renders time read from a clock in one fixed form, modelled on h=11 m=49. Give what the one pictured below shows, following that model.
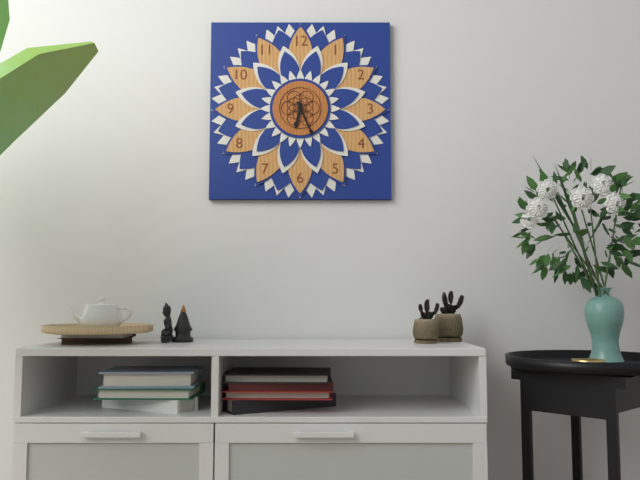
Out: h=6 m=26
